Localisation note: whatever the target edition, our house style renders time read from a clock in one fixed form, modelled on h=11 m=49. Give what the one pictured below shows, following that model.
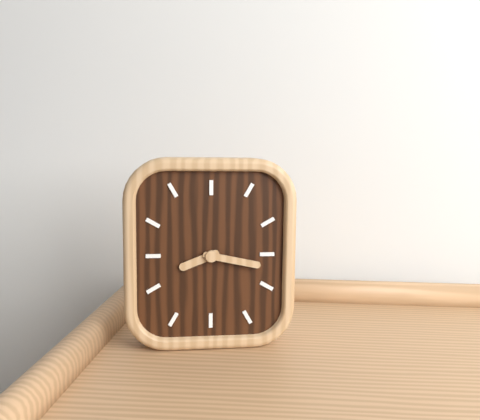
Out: h=8 m=17
